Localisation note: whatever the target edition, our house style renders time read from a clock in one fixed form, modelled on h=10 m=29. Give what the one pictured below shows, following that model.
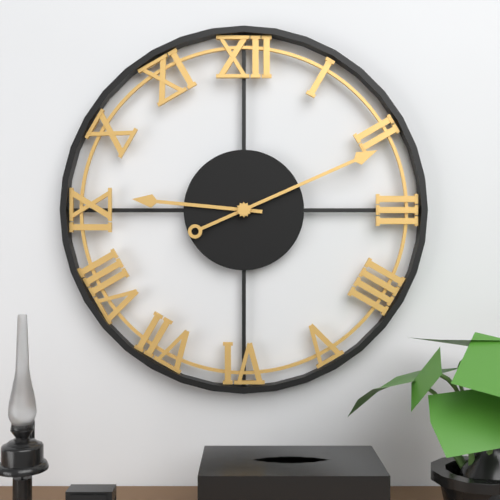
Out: h=9 m=11
